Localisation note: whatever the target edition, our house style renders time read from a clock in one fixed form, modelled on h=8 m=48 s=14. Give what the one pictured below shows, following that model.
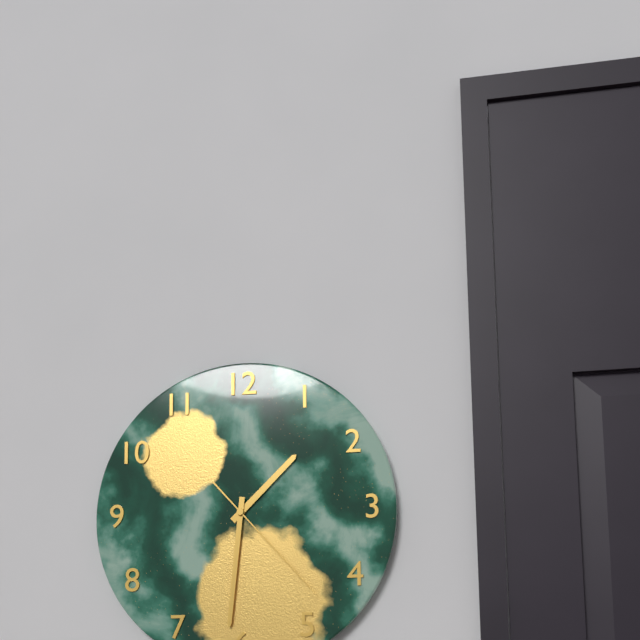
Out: h=1 m=31 s=23
